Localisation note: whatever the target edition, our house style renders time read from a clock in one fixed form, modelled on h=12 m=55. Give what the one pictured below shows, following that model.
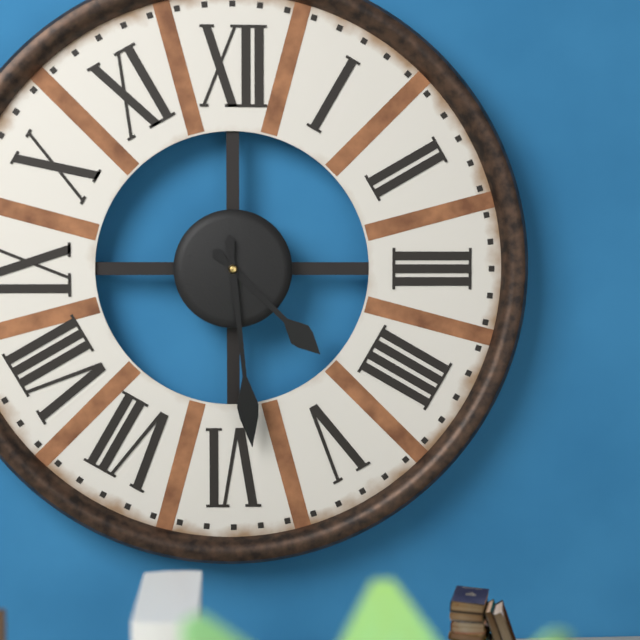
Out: h=4 m=29
